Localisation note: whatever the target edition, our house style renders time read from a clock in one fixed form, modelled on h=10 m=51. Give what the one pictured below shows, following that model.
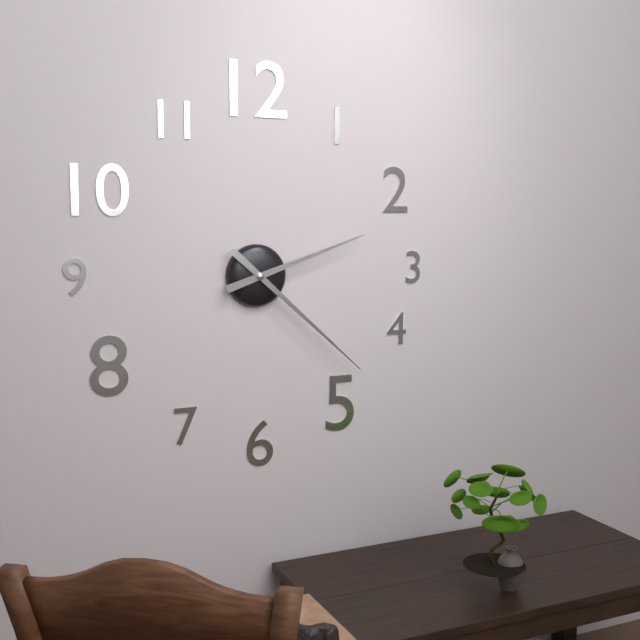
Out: h=2 m=22
